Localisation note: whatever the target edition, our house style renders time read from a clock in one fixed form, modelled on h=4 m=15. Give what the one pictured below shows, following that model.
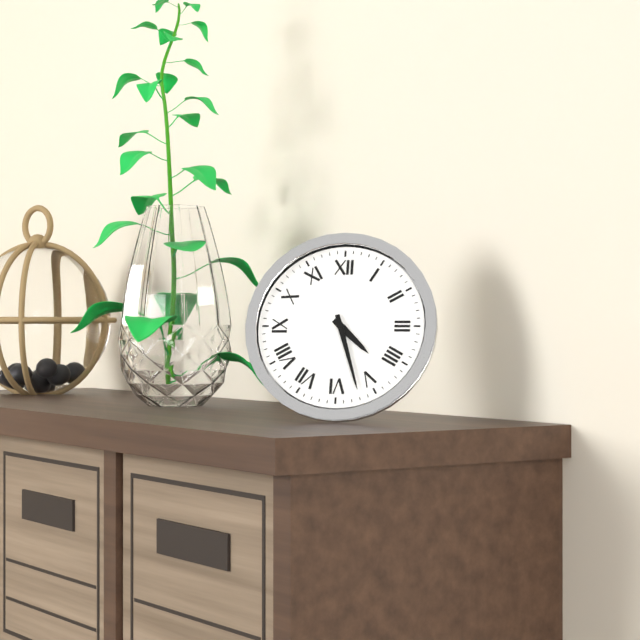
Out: h=4 m=27
